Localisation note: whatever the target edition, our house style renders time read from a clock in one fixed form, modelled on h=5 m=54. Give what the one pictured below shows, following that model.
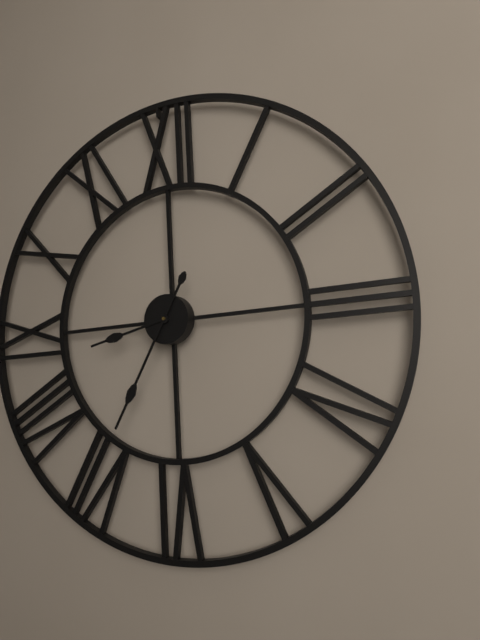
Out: h=8 m=35
